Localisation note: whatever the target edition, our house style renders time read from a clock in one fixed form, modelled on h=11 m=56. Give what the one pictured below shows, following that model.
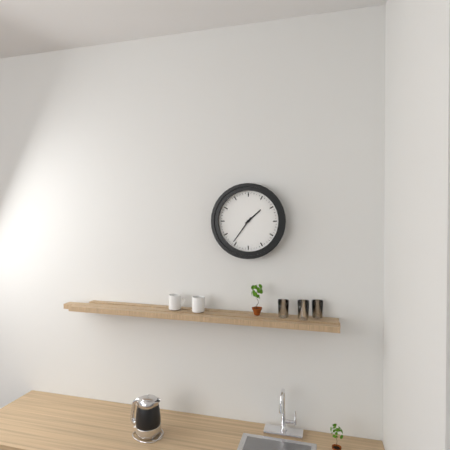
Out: h=1 m=36
